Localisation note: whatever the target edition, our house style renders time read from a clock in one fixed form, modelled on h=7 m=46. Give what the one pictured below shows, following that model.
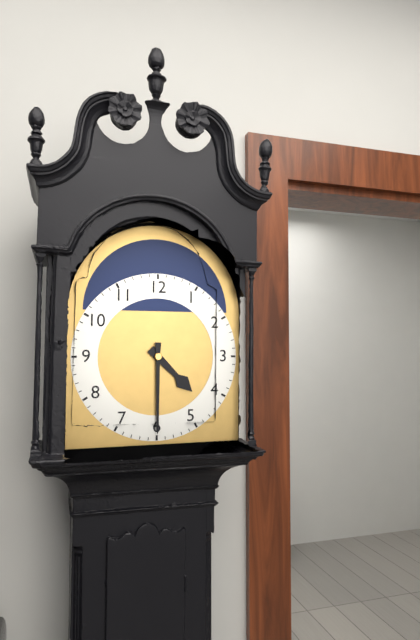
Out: h=4 m=30
